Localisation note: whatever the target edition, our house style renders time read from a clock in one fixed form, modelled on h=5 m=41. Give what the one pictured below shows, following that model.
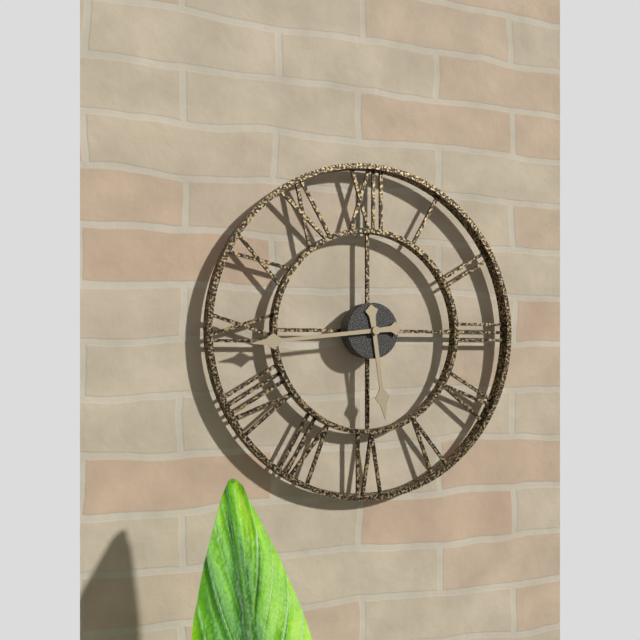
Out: h=5 m=44
